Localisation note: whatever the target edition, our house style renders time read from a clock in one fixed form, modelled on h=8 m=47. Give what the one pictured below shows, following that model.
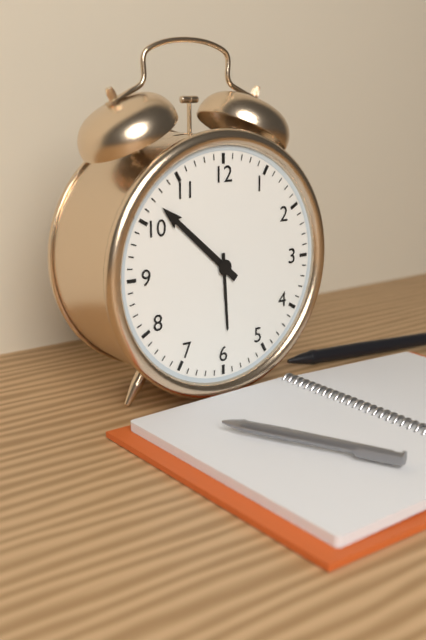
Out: h=5 m=52
